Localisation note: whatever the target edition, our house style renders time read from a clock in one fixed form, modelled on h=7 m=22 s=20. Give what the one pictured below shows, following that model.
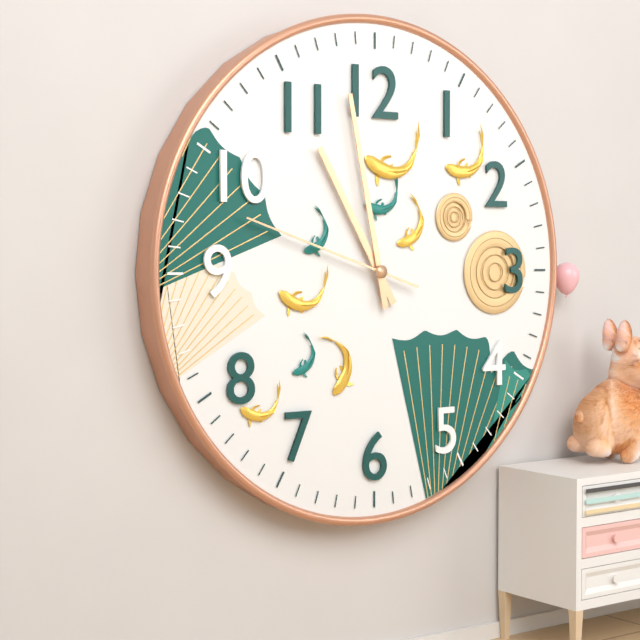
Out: h=10 m=58 s=48
